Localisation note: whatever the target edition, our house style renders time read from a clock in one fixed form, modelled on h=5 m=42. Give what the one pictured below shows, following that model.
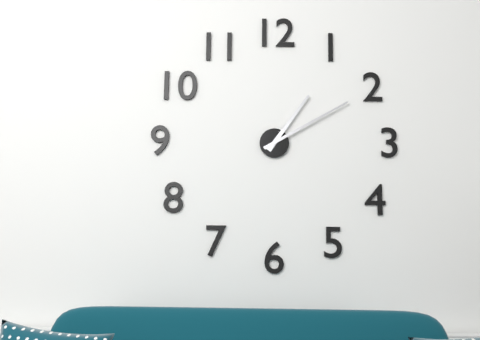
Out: h=1 m=10
